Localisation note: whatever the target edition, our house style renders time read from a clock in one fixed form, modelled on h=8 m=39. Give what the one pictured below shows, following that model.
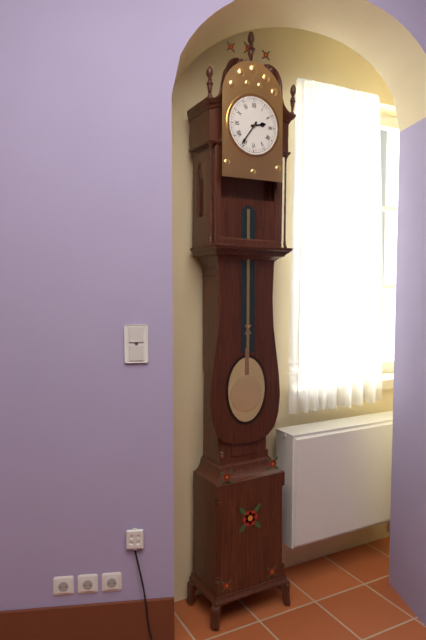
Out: h=2 m=36
